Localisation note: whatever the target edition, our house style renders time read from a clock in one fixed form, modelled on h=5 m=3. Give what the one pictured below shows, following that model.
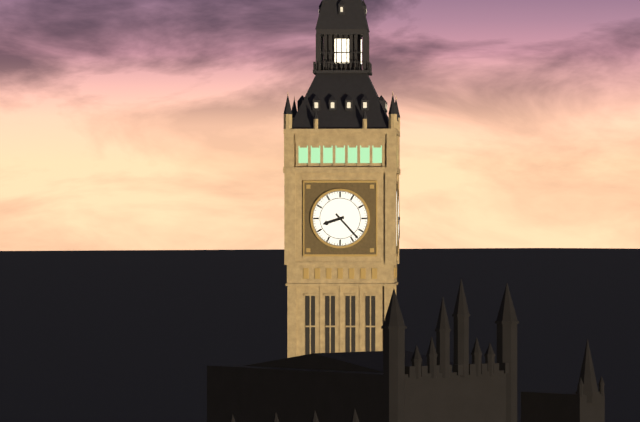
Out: h=8 m=23
